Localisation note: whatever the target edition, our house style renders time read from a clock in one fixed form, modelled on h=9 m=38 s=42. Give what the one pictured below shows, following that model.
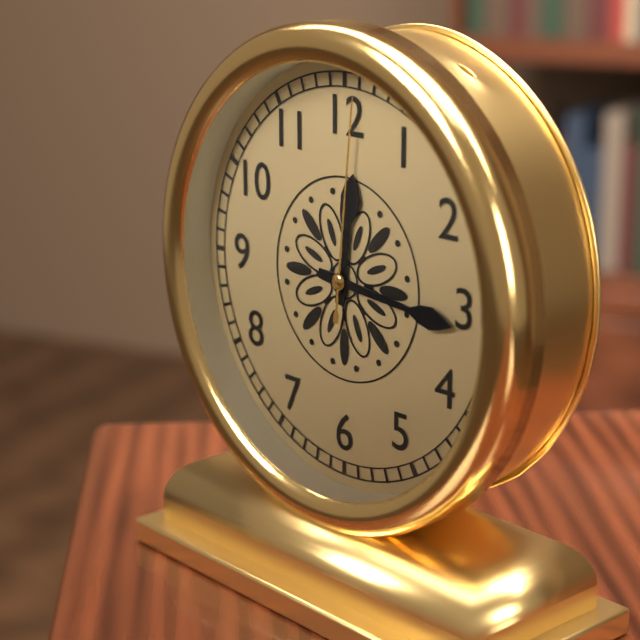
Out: h=12 m=16 s=1
